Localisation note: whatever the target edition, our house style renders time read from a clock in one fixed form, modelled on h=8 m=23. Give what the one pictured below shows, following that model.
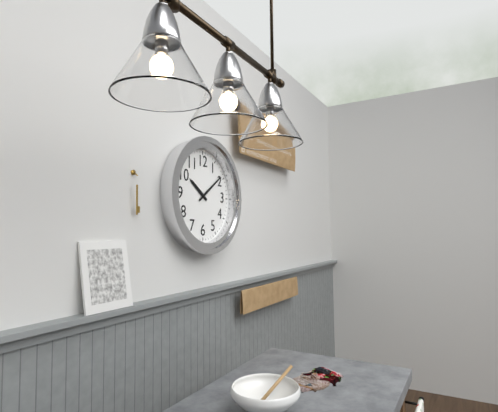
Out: h=10 m=9
